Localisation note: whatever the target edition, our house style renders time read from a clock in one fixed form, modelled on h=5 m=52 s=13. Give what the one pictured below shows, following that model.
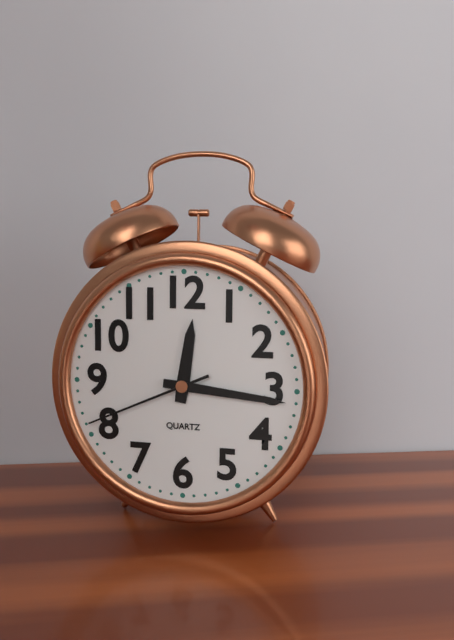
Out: h=12 m=16 s=41
